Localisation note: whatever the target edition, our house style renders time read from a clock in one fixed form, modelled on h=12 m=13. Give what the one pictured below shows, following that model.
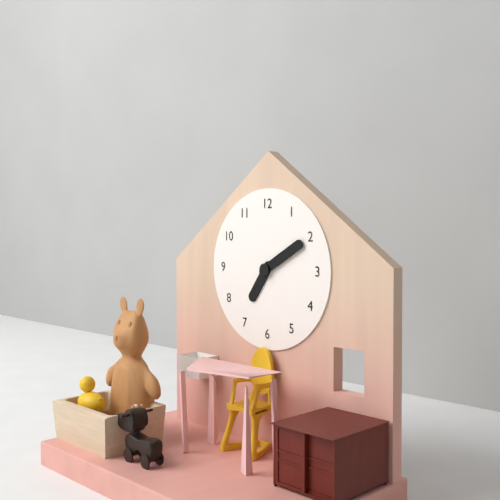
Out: h=7 m=10
